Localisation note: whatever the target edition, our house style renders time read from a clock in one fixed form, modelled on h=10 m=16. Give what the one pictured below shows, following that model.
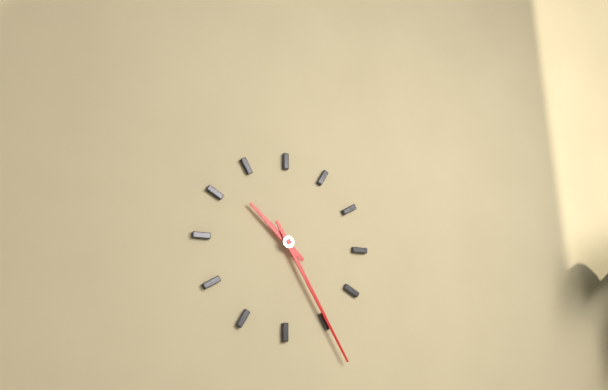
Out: h=10 m=25
